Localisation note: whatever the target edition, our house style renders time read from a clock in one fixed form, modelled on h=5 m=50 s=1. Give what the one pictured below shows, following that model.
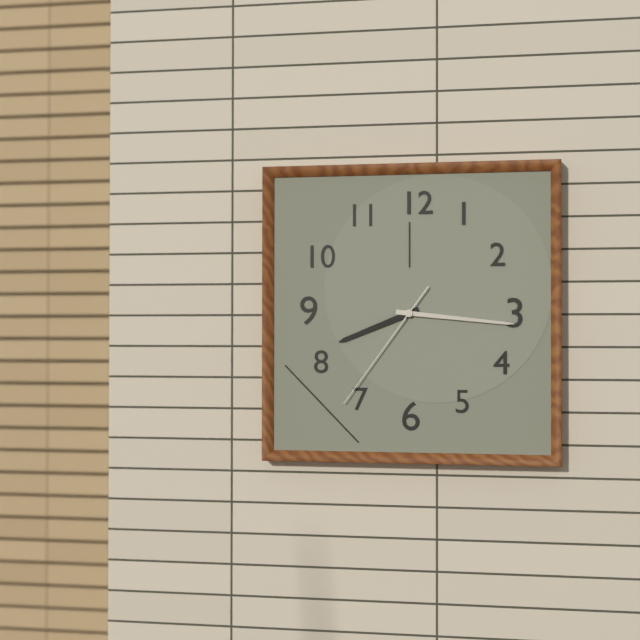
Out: h=8 m=16 s=36
